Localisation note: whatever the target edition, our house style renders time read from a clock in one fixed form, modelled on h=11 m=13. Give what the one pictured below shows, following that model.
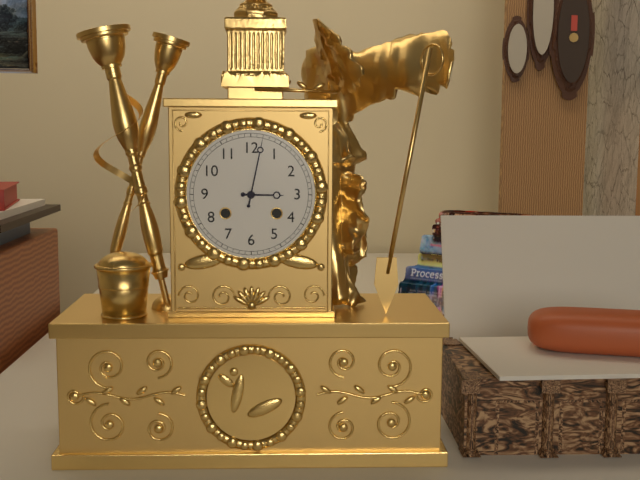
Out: h=3 m=2
